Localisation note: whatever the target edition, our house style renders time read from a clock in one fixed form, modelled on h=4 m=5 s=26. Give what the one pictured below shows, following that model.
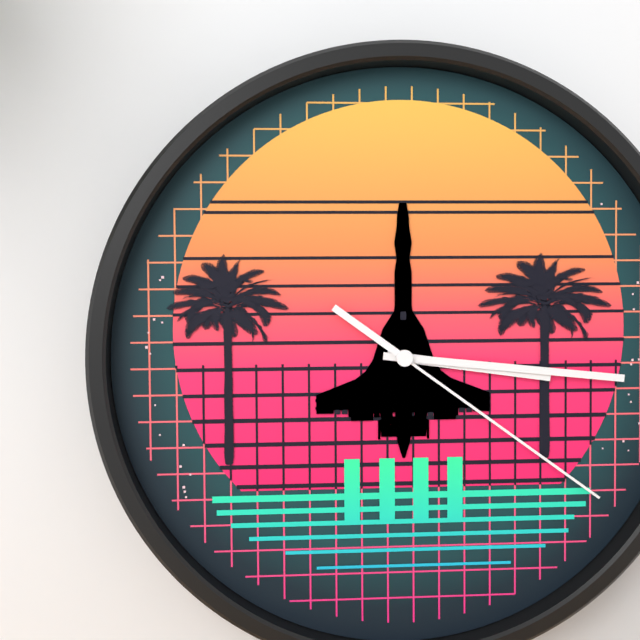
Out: h=3 m=16 s=21
